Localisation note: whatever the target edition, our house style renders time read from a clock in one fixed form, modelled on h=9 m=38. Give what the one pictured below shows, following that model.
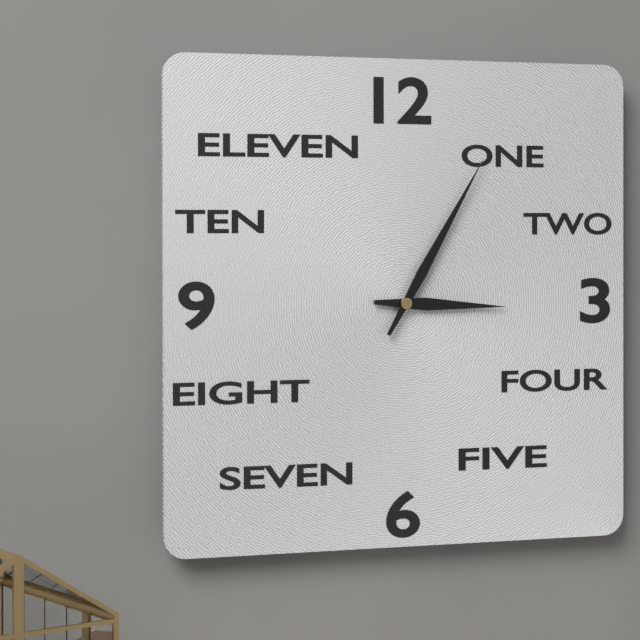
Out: h=3 m=5
